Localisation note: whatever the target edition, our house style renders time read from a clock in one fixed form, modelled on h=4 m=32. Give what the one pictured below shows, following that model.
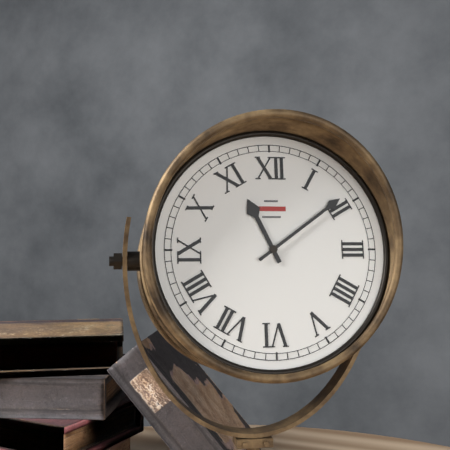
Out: h=11 m=9
